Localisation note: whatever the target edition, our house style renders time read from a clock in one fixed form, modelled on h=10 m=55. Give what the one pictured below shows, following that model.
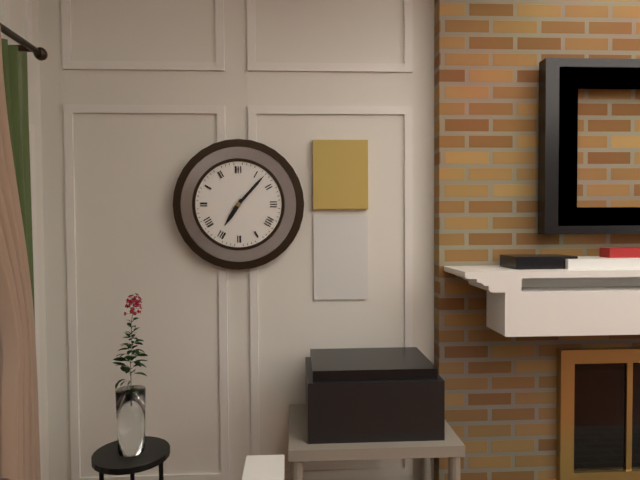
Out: h=7 m=7
